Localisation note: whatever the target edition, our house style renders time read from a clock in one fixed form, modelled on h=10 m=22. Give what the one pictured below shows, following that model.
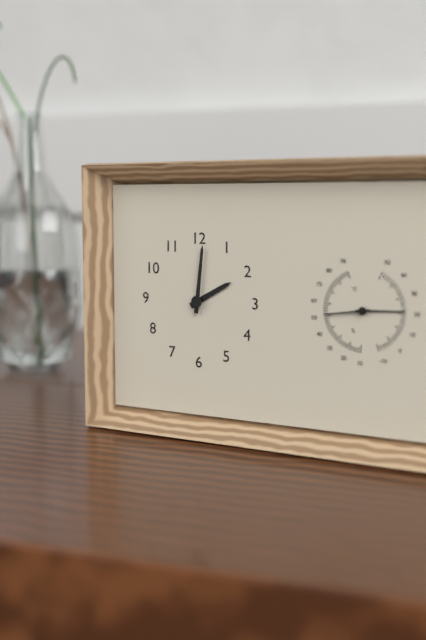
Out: h=2 m=1
